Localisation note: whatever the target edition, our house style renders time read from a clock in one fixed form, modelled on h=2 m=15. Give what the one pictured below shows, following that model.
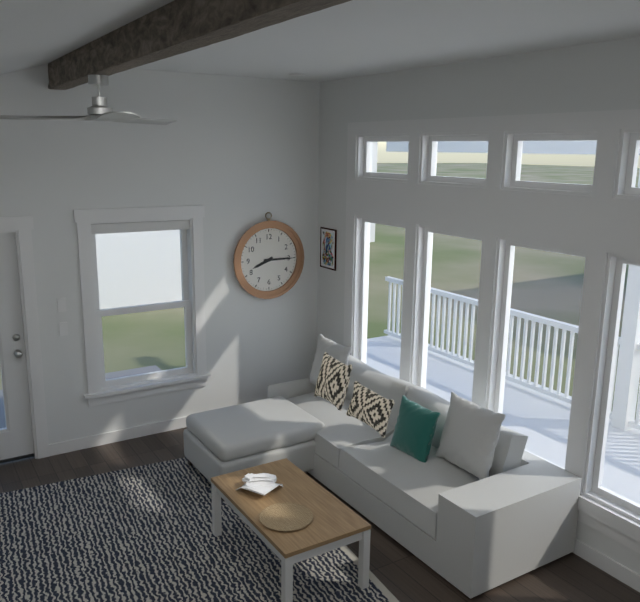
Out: h=8 m=15
